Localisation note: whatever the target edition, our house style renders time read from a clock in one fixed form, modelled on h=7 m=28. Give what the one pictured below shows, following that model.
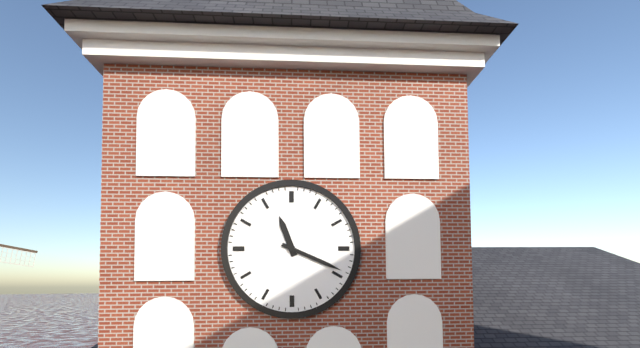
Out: h=11 m=19
